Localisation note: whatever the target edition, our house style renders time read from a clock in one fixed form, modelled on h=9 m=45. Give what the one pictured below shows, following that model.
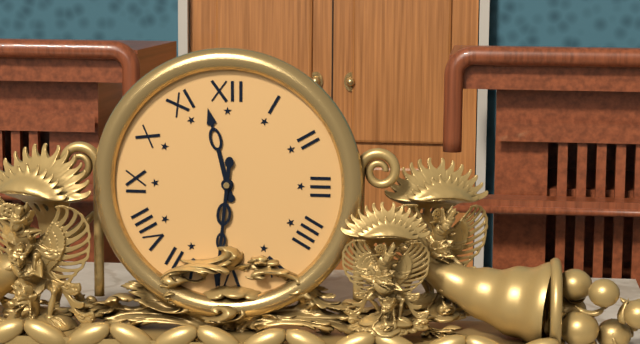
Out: h=11 m=31
